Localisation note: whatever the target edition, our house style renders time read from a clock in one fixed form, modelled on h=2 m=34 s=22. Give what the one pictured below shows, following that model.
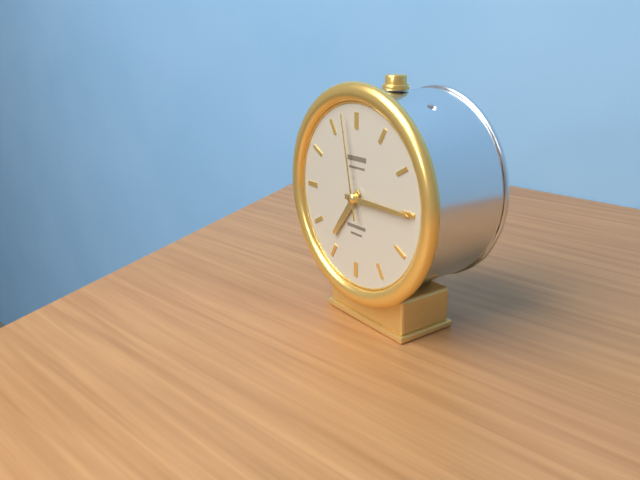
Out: h=7 m=15 s=58
